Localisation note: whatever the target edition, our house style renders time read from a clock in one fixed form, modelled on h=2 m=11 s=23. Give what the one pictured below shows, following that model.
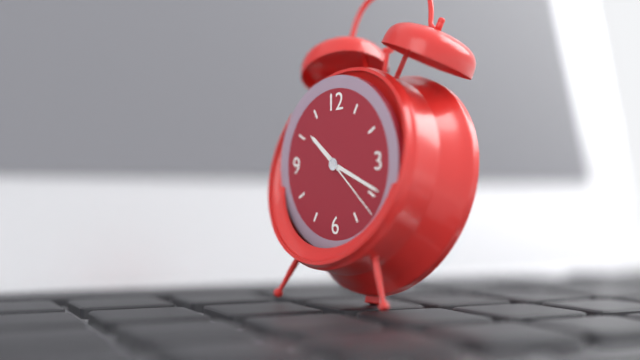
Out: h=10 m=19 s=22
